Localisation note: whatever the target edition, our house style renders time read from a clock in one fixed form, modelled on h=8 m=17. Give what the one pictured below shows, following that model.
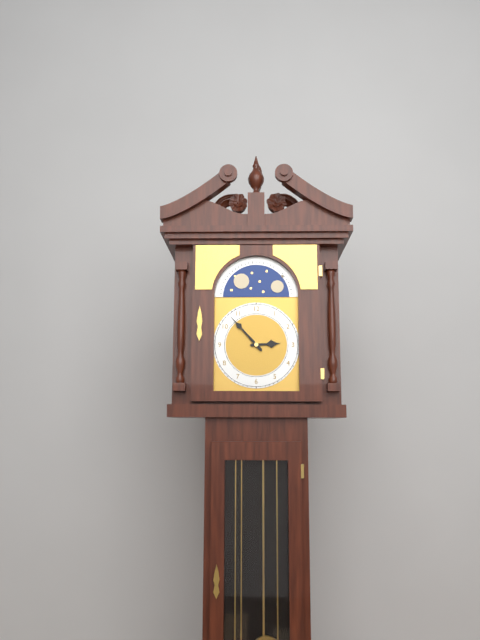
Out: h=2 m=53
